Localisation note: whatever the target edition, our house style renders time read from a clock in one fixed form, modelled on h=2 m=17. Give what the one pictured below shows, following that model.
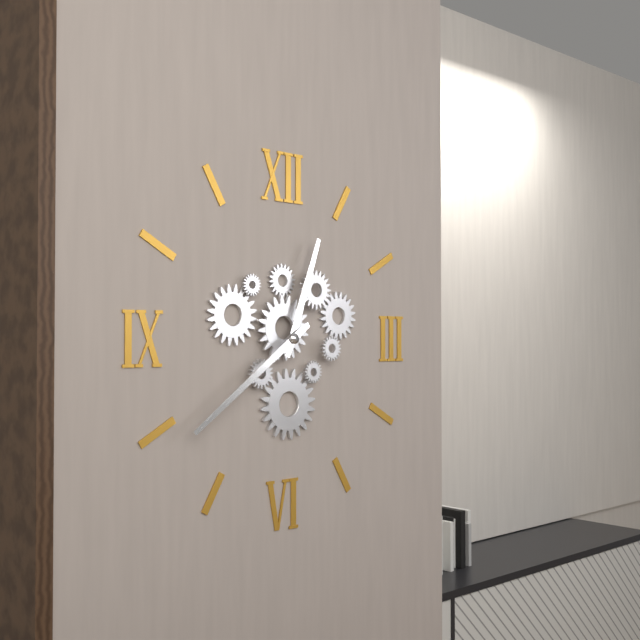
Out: h=12 m=39
